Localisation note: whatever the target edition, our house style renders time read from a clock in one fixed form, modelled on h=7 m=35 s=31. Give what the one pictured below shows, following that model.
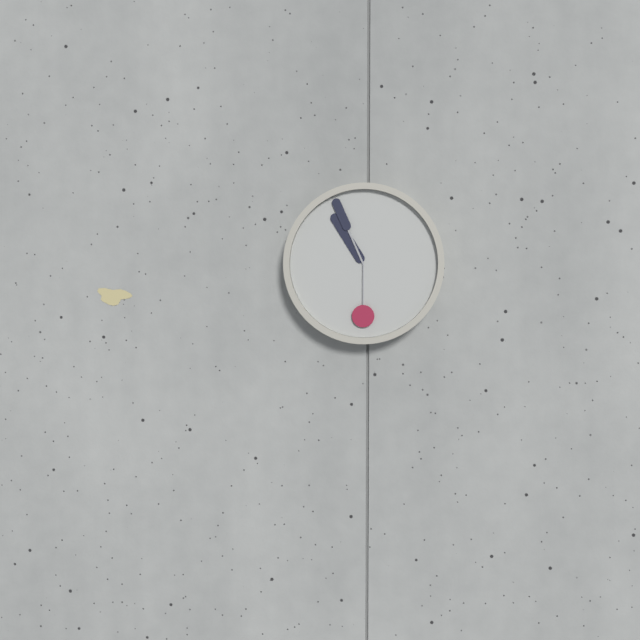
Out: h=10 m=56 s=30
